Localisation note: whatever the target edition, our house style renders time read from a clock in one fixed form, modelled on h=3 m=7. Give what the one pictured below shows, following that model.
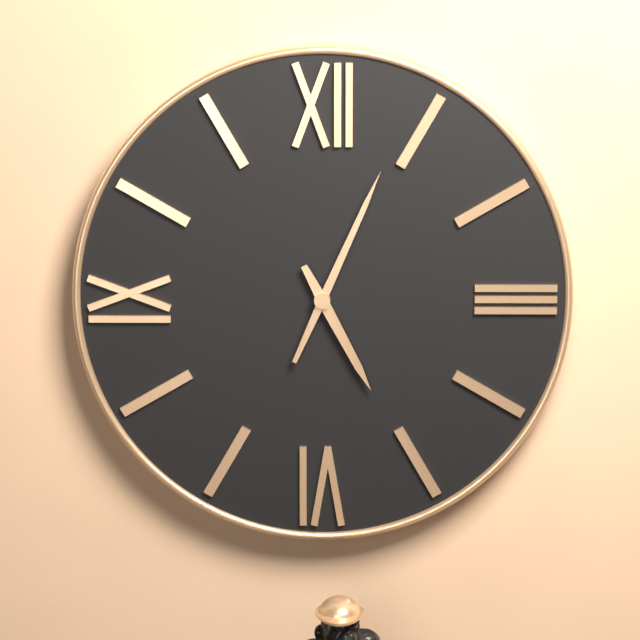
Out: h=5 m=4
